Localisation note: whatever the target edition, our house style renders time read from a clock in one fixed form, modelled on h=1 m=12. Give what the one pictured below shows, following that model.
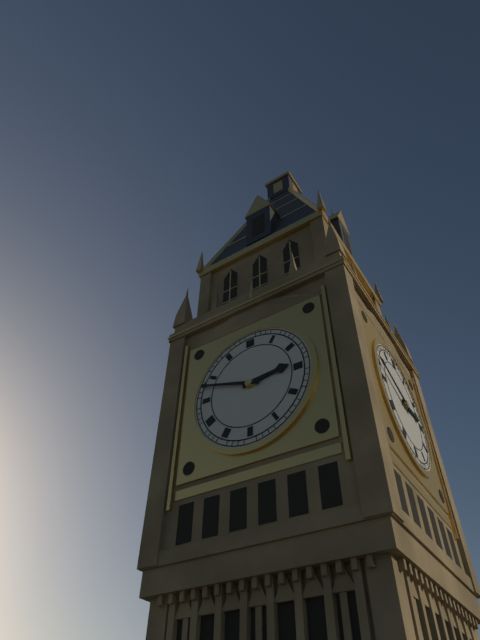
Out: h=2 m=48
